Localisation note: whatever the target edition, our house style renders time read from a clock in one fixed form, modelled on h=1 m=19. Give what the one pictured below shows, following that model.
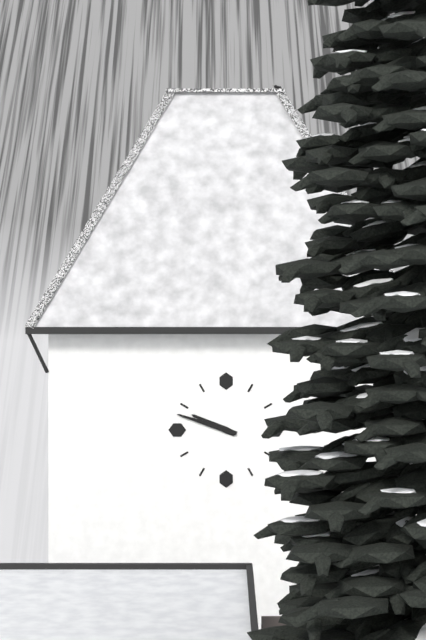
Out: h=9 m=48
